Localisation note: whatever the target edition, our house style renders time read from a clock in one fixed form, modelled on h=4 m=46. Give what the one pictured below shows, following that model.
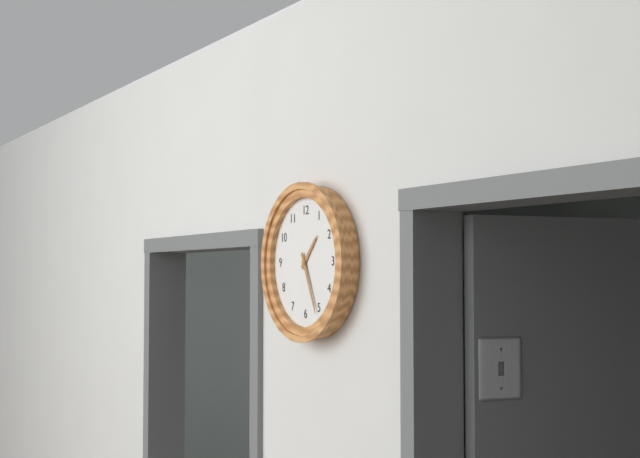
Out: h=1 m=26
